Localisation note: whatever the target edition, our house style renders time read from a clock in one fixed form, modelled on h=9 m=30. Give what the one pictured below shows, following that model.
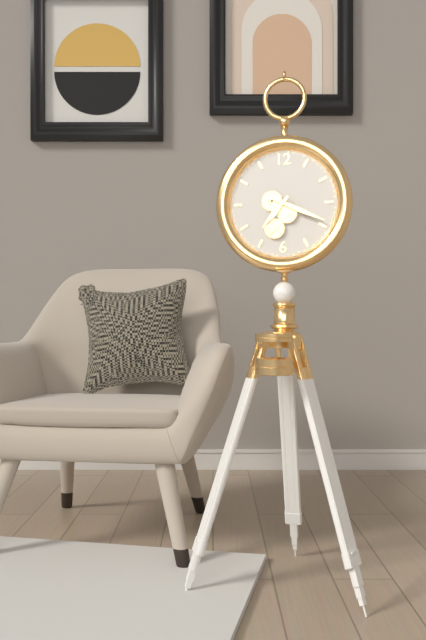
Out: h=7 m=19
